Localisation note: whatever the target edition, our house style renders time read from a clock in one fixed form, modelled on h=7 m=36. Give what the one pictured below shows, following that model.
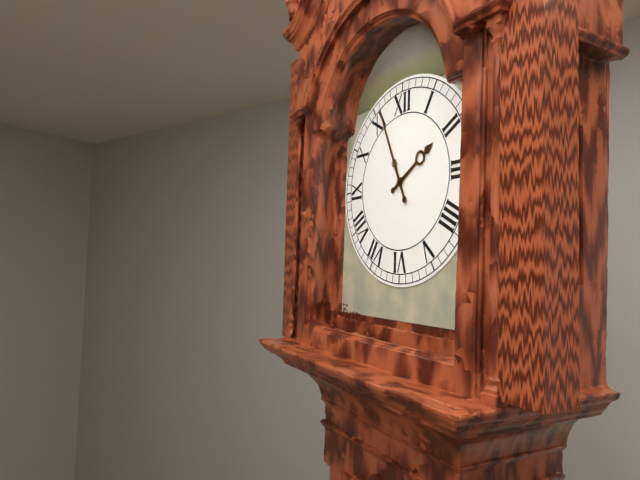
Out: h=1 m=56
